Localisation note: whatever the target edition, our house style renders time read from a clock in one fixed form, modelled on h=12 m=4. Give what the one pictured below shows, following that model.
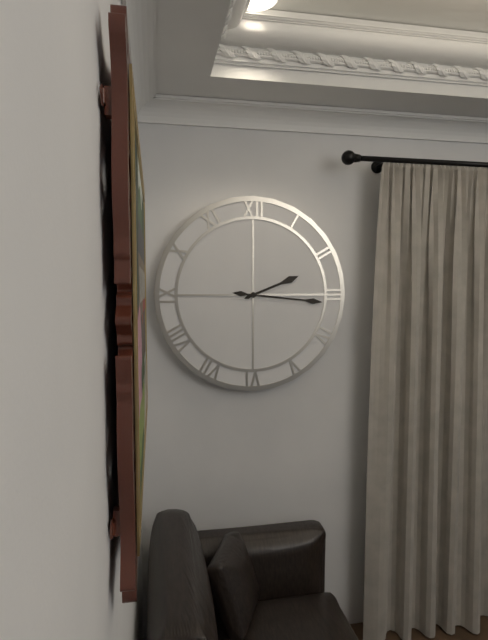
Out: h=2 m=16
